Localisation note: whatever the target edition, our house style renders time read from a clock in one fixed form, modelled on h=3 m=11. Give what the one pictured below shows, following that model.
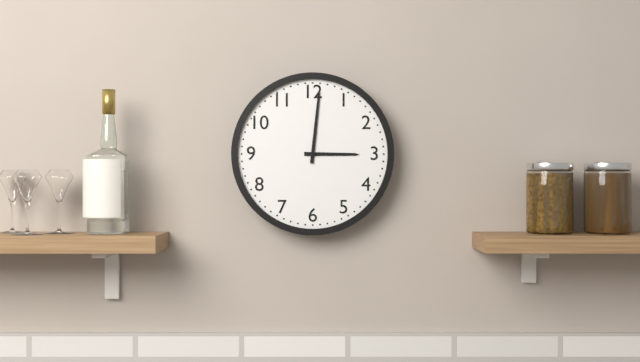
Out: h=3 m=1
